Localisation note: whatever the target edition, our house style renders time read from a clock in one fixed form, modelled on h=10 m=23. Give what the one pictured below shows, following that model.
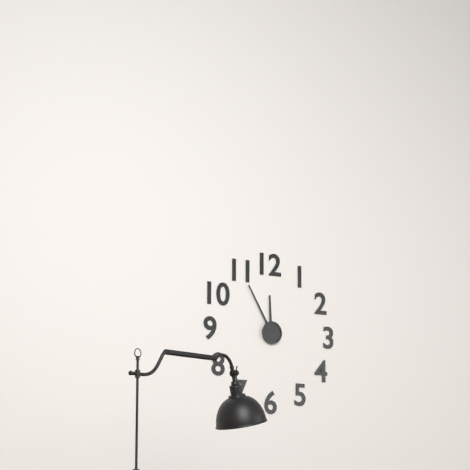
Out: h=11 m=55
